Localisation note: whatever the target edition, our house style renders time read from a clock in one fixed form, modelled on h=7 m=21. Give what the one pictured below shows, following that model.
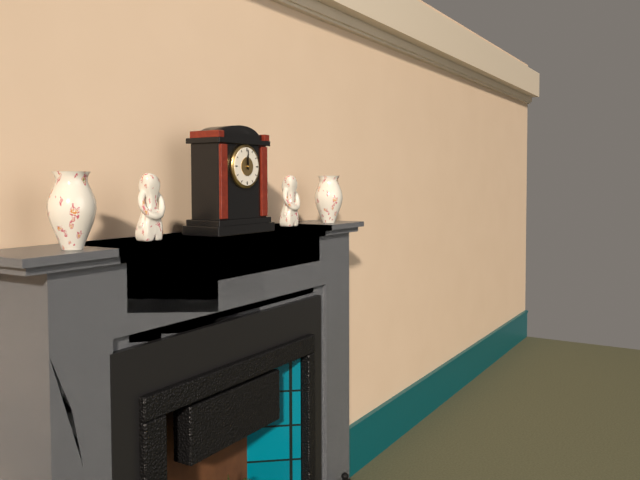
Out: h=12 m=0
